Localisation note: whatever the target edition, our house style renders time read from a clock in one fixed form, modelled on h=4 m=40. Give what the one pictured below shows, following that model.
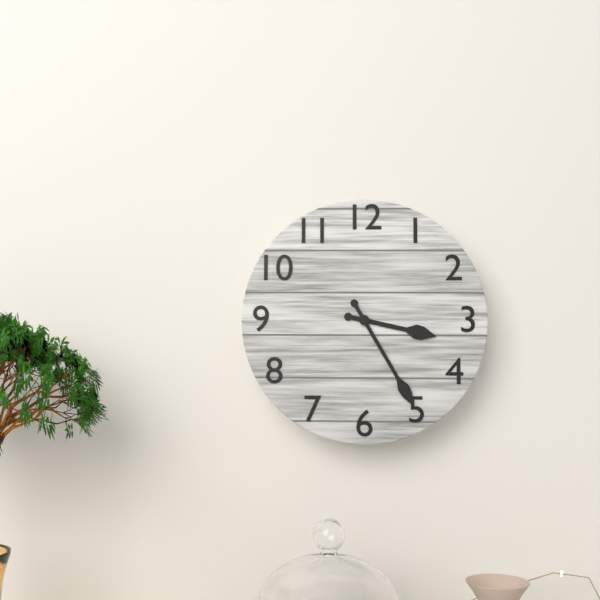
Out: h=3 m=25
